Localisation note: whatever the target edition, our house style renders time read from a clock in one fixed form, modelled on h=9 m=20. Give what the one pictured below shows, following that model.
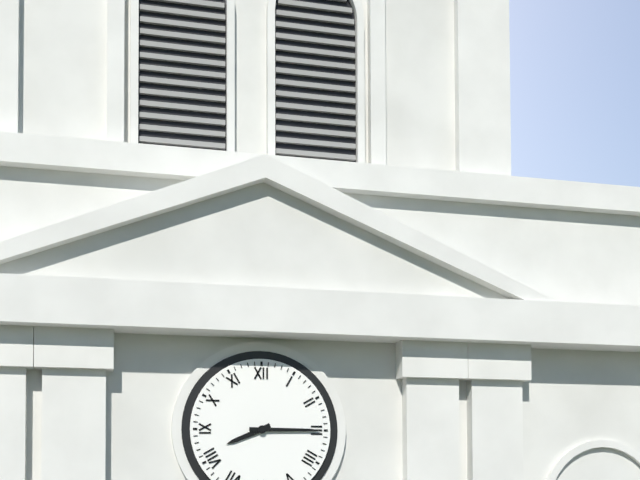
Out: h=8 m=15
